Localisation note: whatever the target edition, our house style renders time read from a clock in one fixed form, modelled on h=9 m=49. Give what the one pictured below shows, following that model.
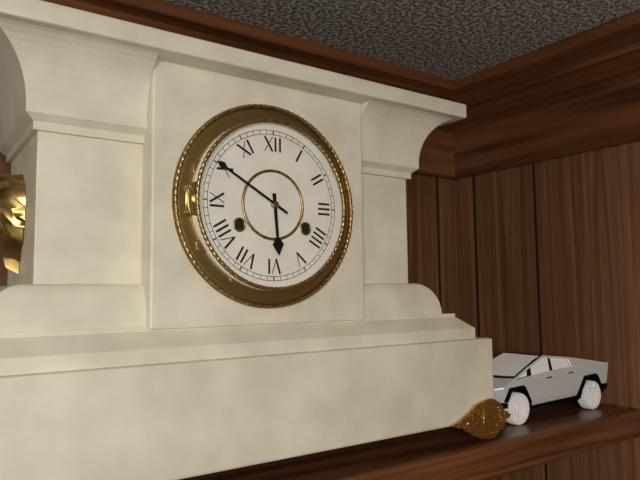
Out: h=5 m=50
